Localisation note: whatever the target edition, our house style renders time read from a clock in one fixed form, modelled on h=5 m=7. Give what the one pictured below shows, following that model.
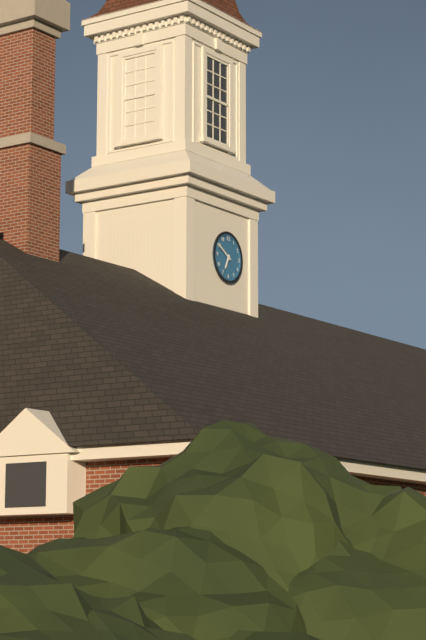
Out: h=6 m=50
